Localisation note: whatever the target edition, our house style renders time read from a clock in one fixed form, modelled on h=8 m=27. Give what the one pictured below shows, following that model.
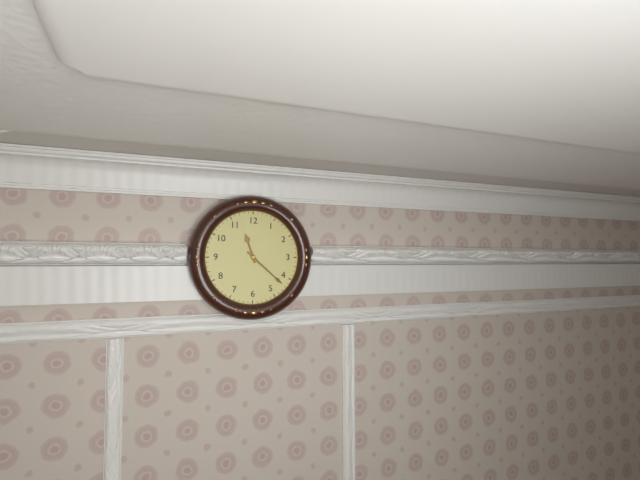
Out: h=11 m=22
